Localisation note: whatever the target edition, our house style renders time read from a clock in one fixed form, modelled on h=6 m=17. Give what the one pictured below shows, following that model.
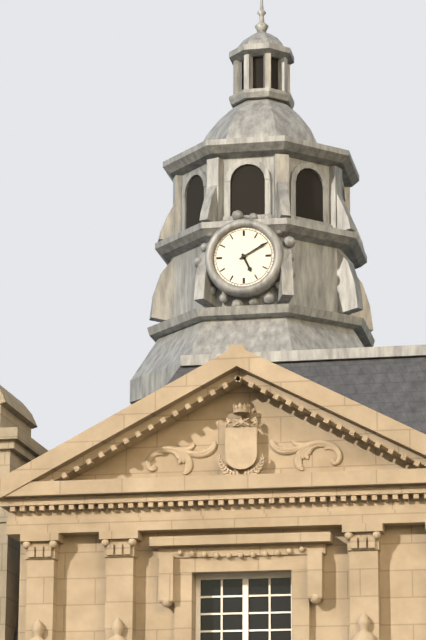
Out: h=5 m=10
